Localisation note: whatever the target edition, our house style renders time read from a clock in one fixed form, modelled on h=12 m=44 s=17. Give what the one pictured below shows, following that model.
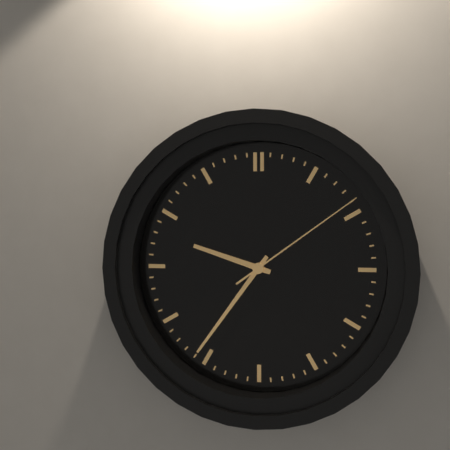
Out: h=9 m=36 s=9
